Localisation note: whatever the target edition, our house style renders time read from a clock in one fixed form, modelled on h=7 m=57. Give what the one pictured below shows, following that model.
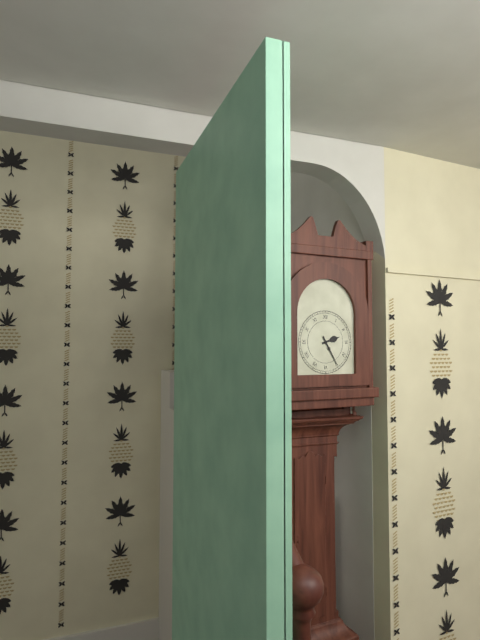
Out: h=2 m=25
